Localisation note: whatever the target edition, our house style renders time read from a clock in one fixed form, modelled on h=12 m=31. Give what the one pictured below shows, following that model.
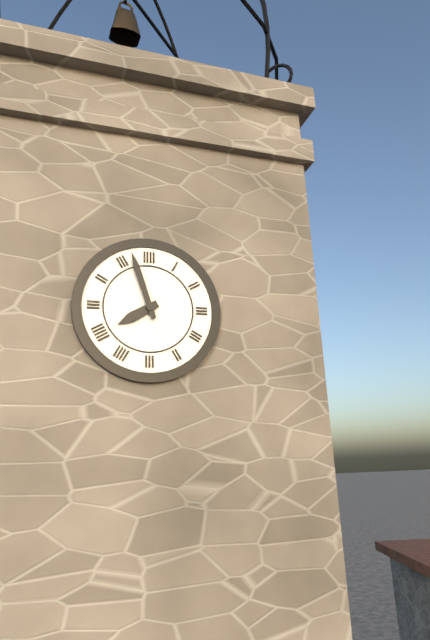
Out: h=7 m=57
